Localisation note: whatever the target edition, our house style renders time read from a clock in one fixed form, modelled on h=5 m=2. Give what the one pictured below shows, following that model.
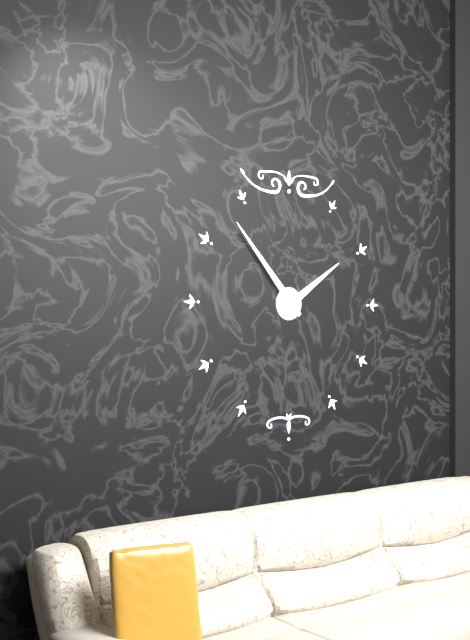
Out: h=1 m=53
